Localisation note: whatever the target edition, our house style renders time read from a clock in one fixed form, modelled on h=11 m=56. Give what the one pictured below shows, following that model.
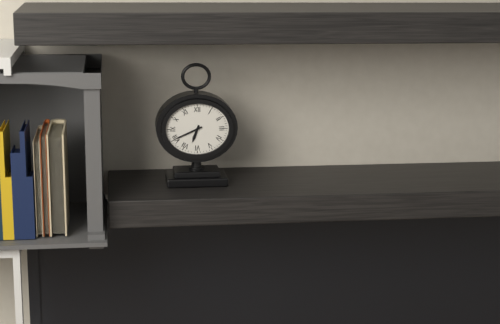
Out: h=6 m=41
